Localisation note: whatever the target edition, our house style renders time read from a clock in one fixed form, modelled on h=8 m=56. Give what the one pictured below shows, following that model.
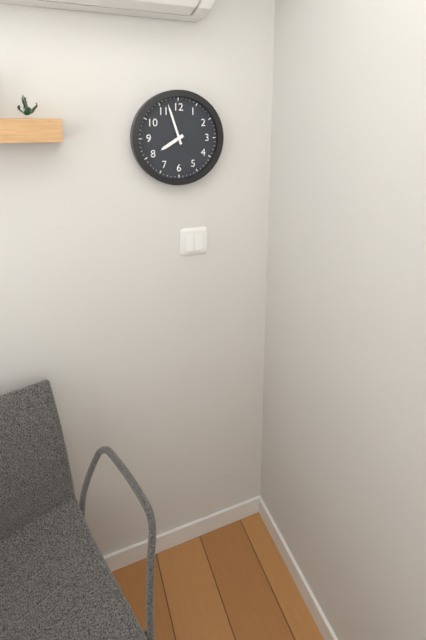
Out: h=7 m=57
